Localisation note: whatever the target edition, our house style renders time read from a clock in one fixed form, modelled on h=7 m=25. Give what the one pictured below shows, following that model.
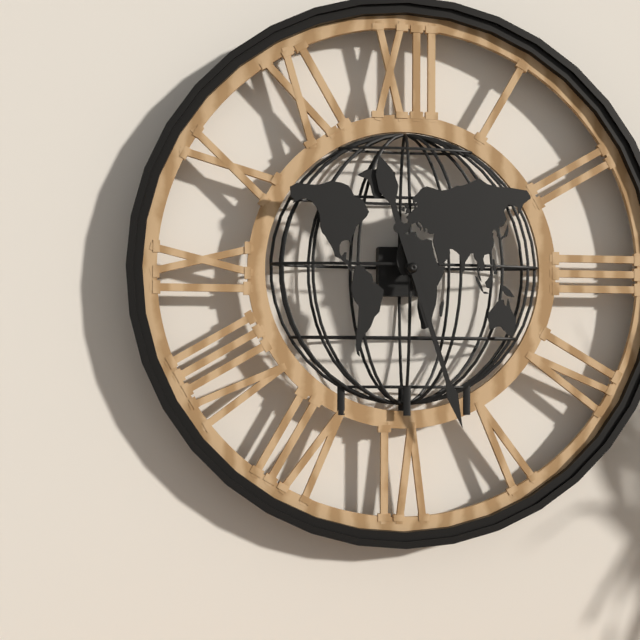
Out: h=11 m=27
